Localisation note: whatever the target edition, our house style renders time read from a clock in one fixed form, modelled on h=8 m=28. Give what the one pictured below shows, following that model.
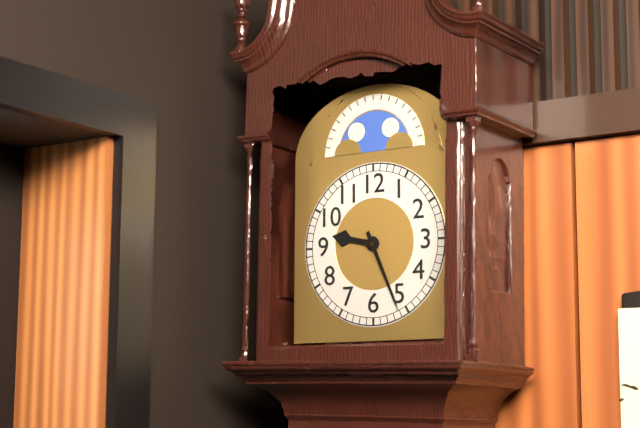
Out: h=9 m=26
